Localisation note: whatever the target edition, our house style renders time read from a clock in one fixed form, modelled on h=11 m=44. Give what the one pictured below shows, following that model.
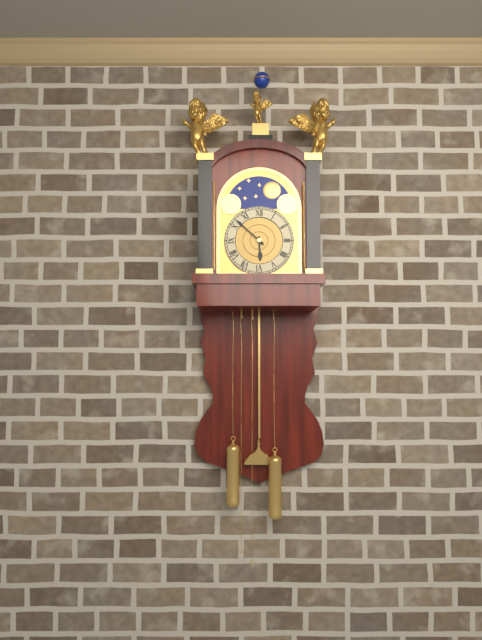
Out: h=5 m=52
